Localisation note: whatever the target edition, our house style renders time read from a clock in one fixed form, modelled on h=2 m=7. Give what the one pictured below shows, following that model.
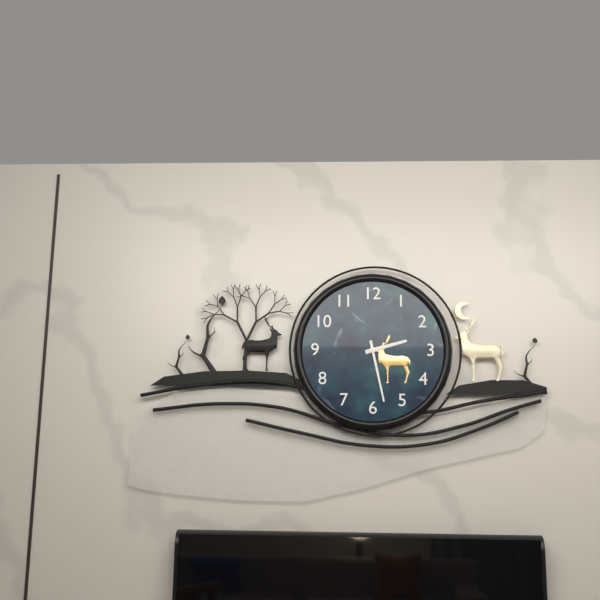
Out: h=2 m=28
